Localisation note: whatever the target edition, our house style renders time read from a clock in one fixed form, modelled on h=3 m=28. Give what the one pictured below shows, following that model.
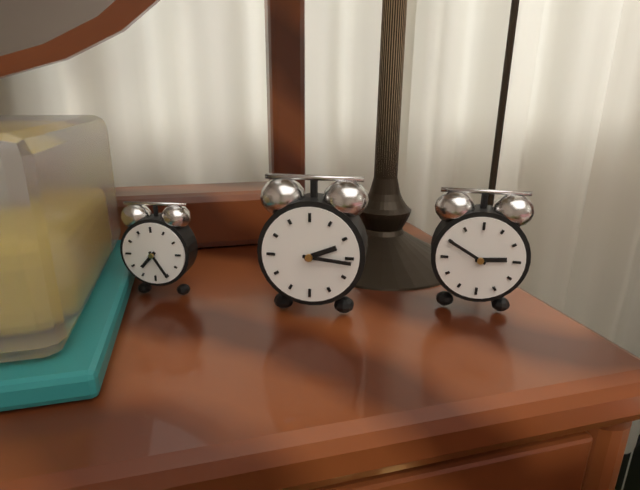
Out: h=2 m=16
